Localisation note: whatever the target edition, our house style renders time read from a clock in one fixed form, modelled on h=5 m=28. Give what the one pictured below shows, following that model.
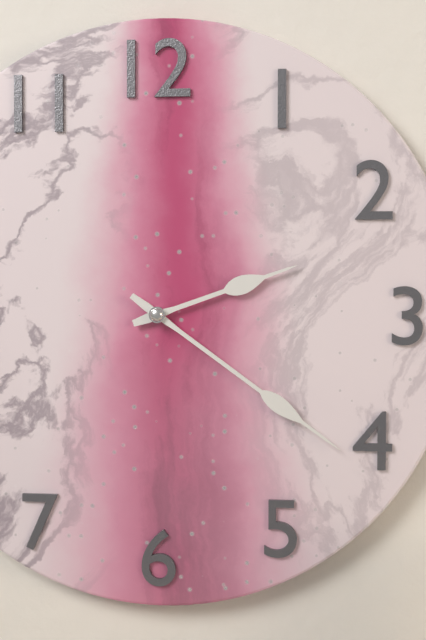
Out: h=2 m=21
